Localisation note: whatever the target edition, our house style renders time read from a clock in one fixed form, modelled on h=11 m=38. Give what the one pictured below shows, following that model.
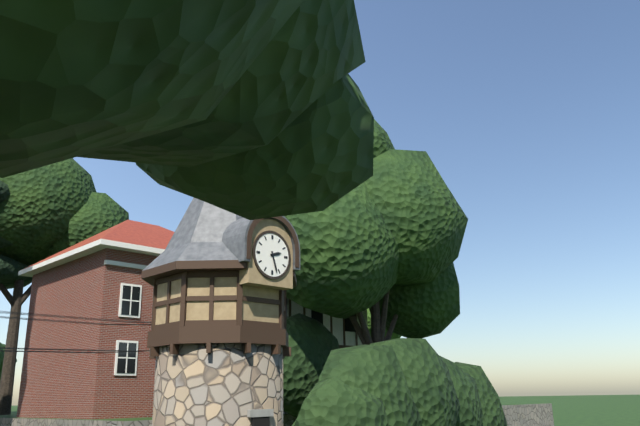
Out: h=2 m=27
